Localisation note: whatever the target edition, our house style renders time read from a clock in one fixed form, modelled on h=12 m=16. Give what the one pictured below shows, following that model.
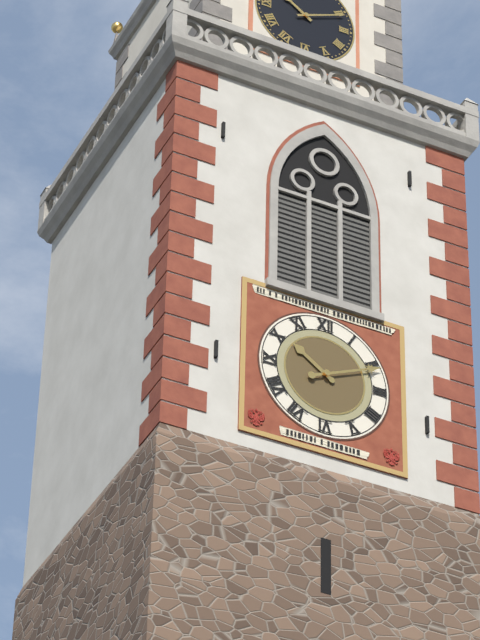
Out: h=10 m=11
